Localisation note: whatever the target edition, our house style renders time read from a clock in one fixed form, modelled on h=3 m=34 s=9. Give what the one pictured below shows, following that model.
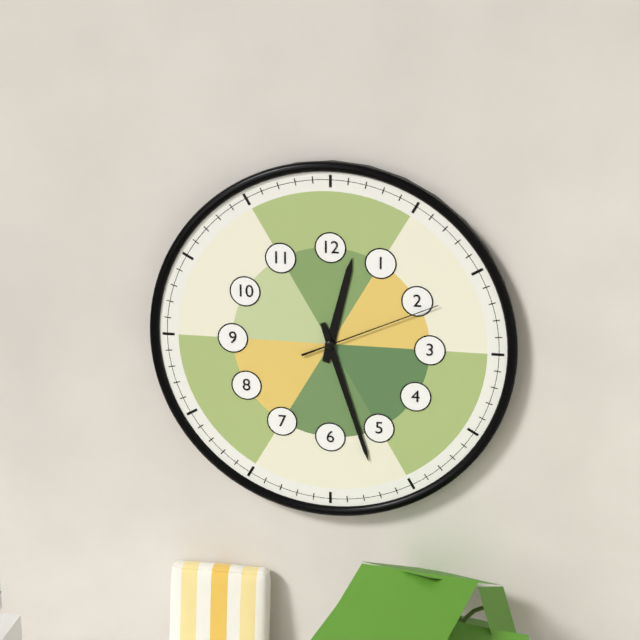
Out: h=12 m=27 s=11
